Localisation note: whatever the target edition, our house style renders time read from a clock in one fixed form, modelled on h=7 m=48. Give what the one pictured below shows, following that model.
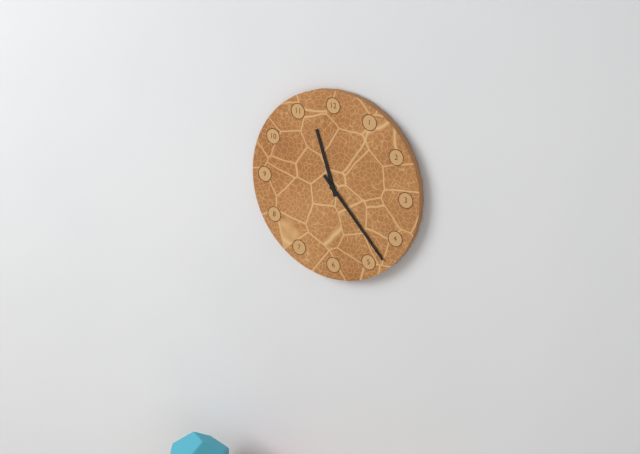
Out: h=11 m=23
